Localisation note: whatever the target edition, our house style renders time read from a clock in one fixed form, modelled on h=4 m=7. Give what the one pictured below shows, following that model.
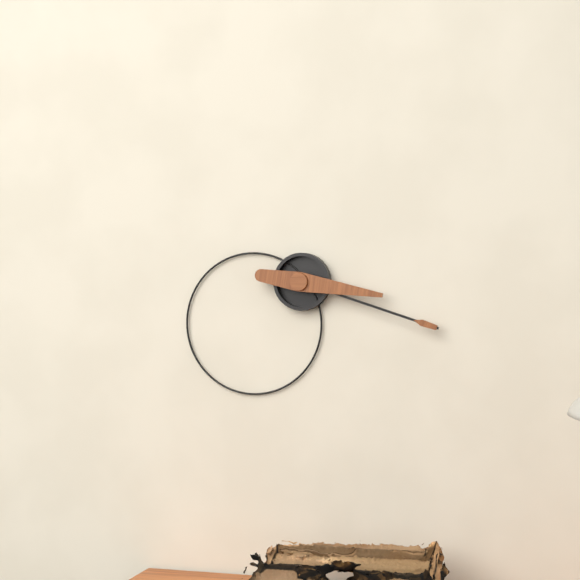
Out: h=3 m=18
